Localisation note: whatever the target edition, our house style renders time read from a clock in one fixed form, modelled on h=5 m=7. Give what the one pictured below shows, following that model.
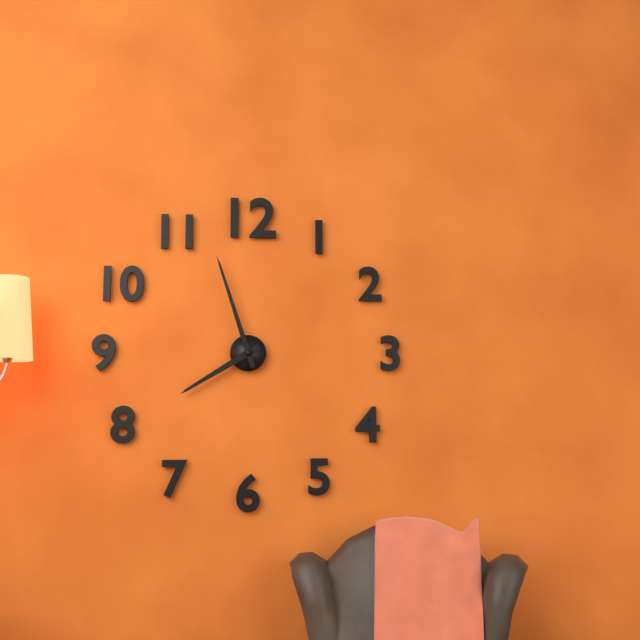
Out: h=7 m=57
